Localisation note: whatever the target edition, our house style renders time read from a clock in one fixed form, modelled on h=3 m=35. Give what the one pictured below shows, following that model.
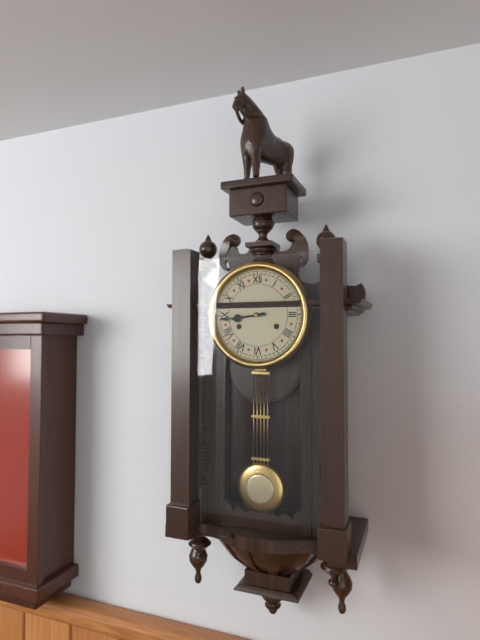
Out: h=8 m=44
